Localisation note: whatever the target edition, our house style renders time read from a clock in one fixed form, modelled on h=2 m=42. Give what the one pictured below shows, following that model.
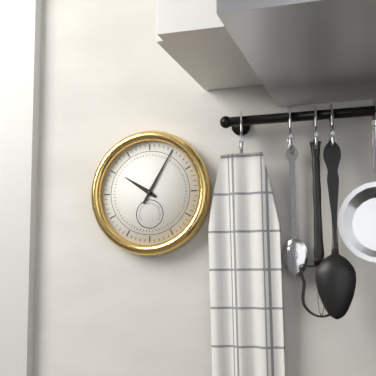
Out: h=10 m=5
